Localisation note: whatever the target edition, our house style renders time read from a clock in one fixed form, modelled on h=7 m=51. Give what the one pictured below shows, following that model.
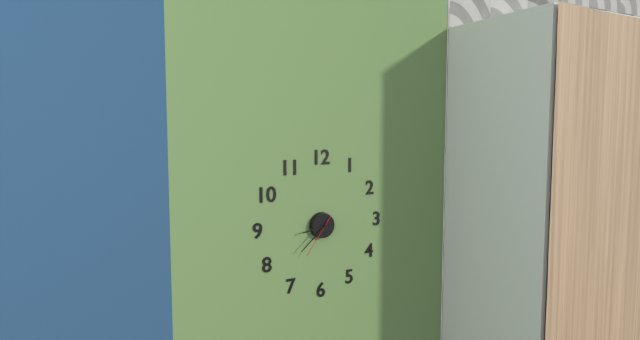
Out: h=8 m=38
